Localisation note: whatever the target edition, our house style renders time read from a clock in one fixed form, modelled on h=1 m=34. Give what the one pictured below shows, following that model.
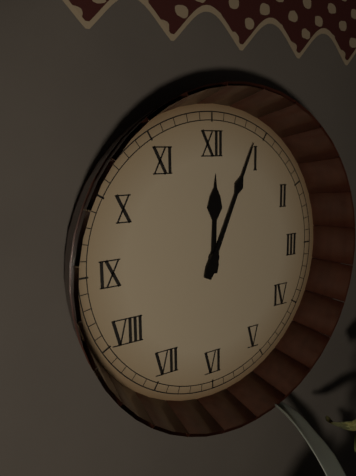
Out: h=12 m=4
